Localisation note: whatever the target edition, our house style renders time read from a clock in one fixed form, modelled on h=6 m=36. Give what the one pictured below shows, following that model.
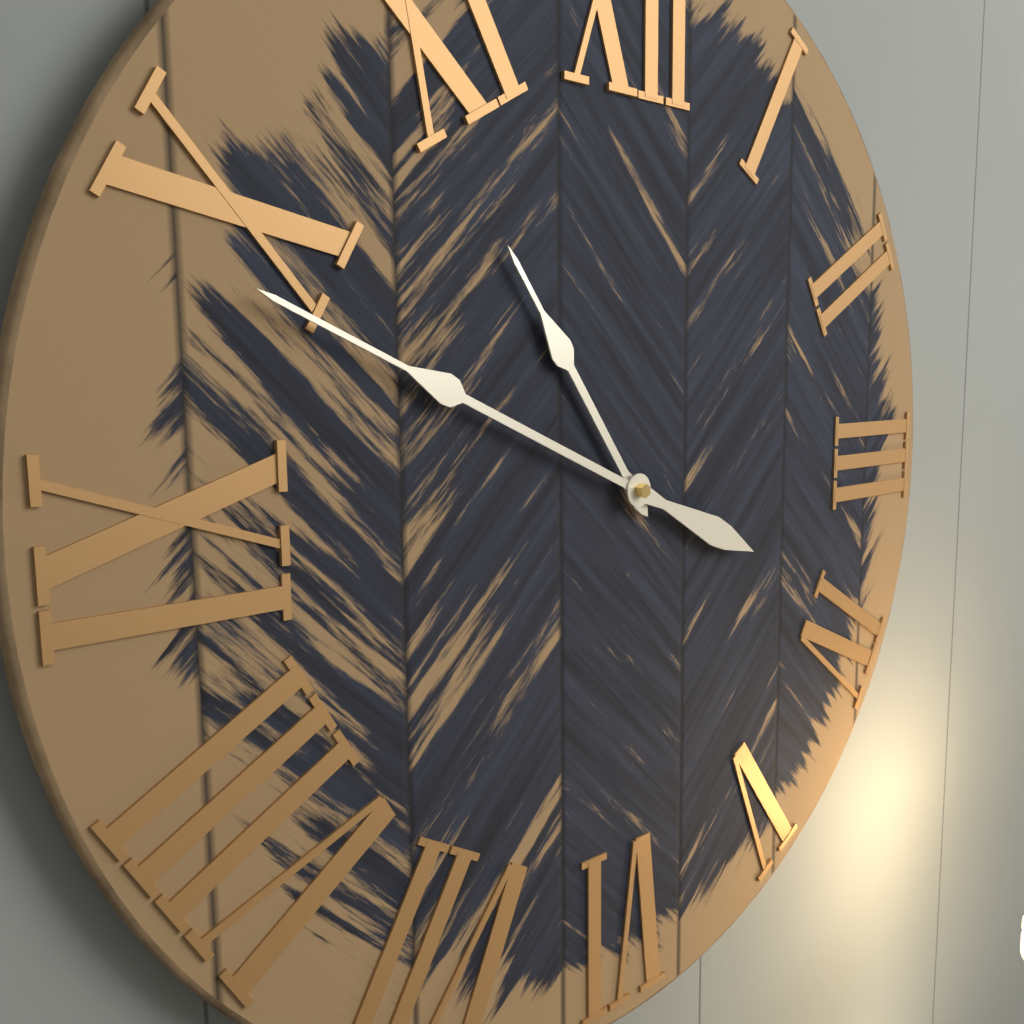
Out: h=10 m=49
